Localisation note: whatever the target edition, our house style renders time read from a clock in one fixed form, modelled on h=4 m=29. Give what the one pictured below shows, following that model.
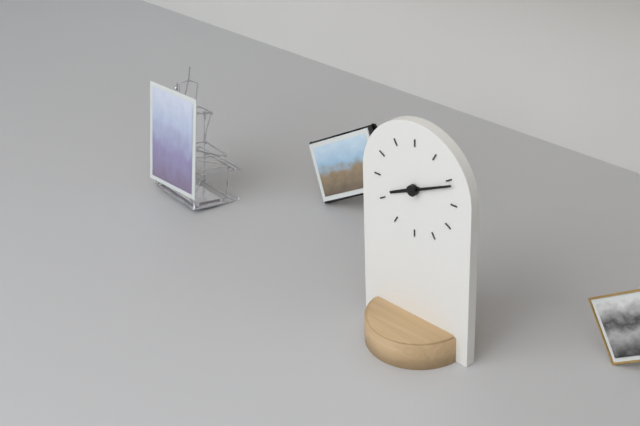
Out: h=8 m=11
